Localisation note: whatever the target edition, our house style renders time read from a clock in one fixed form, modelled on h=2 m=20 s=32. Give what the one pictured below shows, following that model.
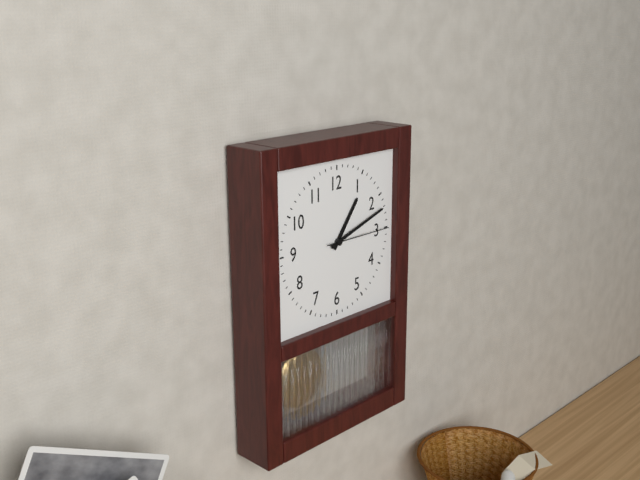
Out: h=1 m=12 s=15
